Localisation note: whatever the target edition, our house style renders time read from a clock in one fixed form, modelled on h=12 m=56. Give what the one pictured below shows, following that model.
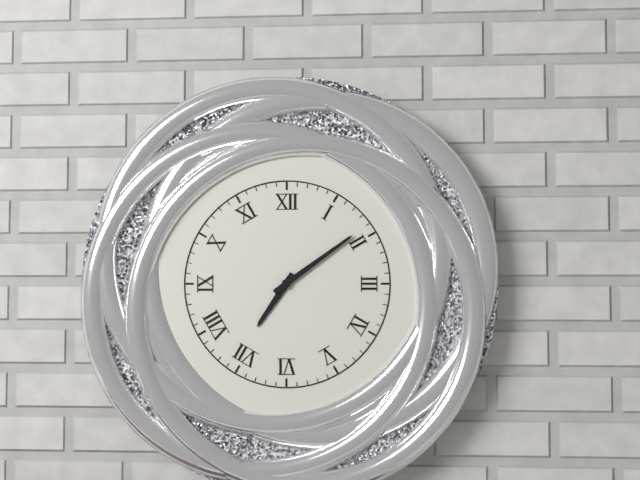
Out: h=7 m=9
